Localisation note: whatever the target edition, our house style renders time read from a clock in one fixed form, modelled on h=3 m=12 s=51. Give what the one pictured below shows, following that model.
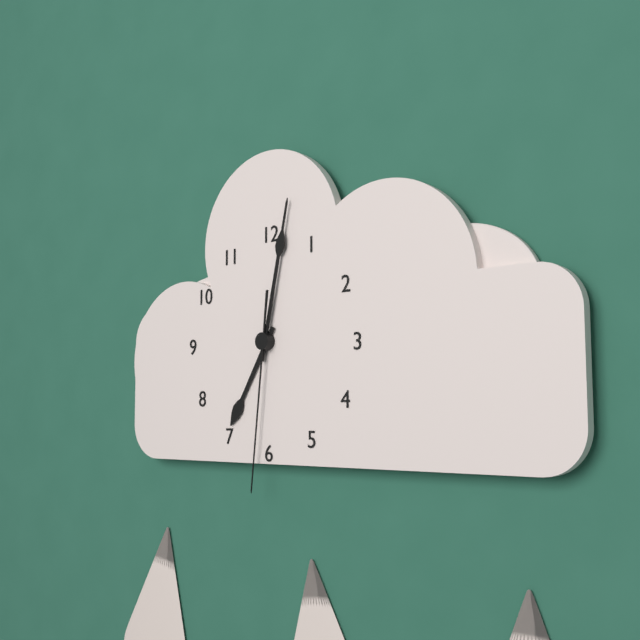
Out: h=7 m=2 s=31
